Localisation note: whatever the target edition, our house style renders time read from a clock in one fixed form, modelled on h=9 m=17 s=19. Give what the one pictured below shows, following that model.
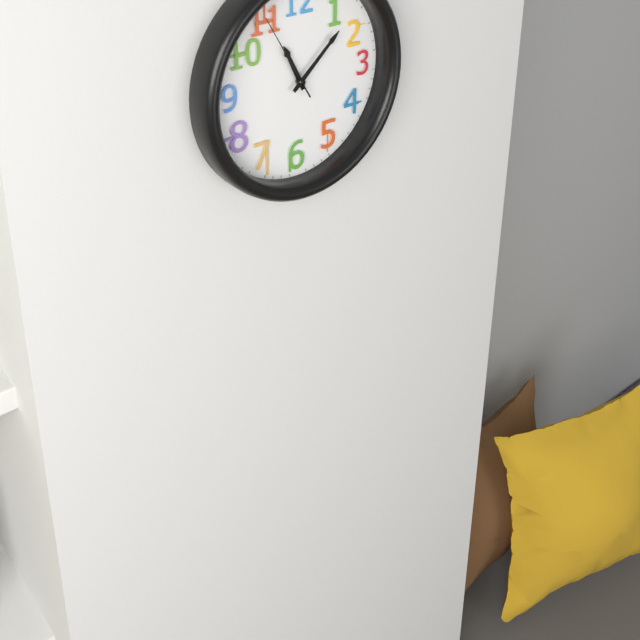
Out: h=11 m=8 s=55
